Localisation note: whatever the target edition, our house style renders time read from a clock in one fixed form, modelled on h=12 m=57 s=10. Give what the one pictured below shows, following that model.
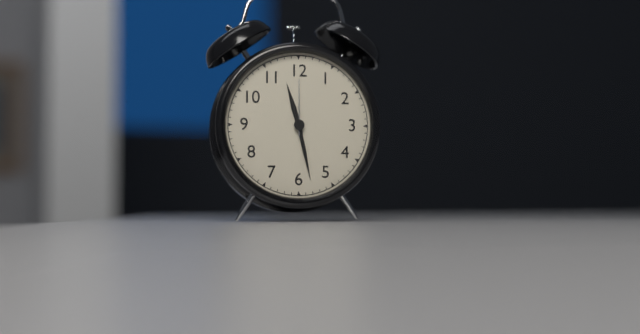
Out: h=11 m=28 s=0
